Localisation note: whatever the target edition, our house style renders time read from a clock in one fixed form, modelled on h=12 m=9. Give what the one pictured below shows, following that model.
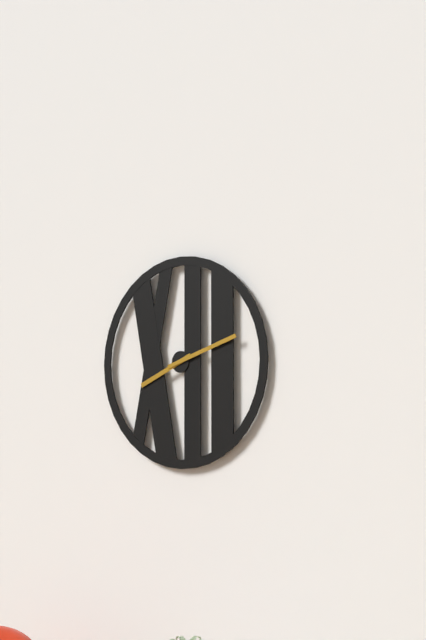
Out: h=8 m=12
